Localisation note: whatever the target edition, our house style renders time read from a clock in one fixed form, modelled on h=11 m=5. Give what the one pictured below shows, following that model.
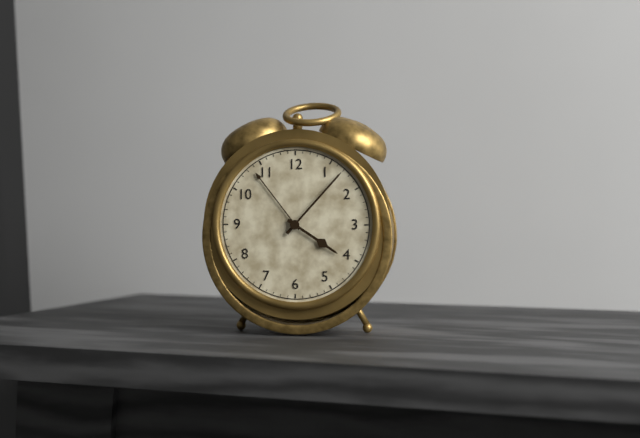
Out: h=4 m=7
